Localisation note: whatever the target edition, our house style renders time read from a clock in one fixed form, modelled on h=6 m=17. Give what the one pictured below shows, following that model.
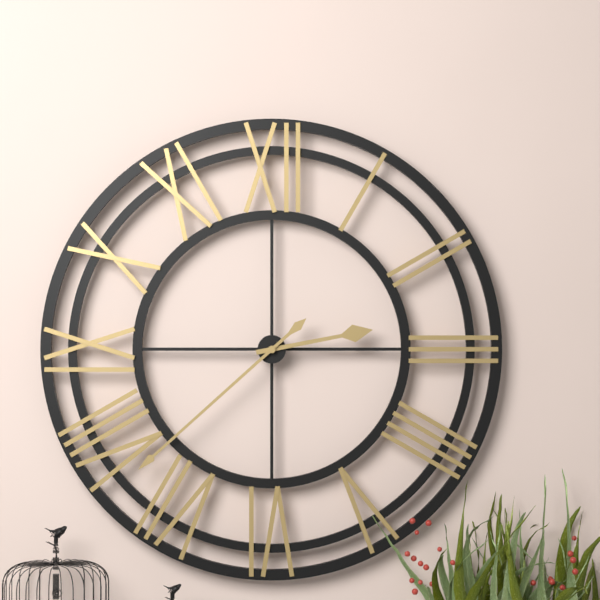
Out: h=2 m=38
